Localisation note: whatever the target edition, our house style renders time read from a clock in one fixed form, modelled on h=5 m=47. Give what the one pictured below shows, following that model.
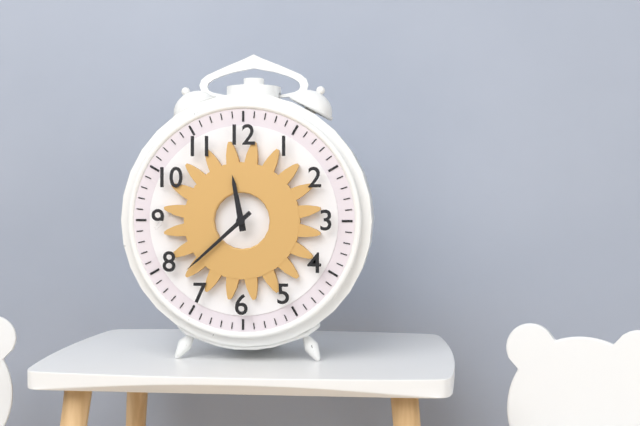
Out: h=11 m=38
